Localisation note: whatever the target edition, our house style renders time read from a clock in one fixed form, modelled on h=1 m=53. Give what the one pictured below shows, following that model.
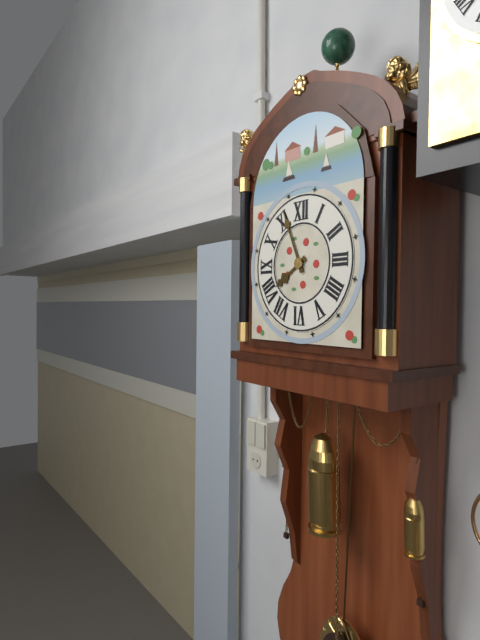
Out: h=7 m=56
